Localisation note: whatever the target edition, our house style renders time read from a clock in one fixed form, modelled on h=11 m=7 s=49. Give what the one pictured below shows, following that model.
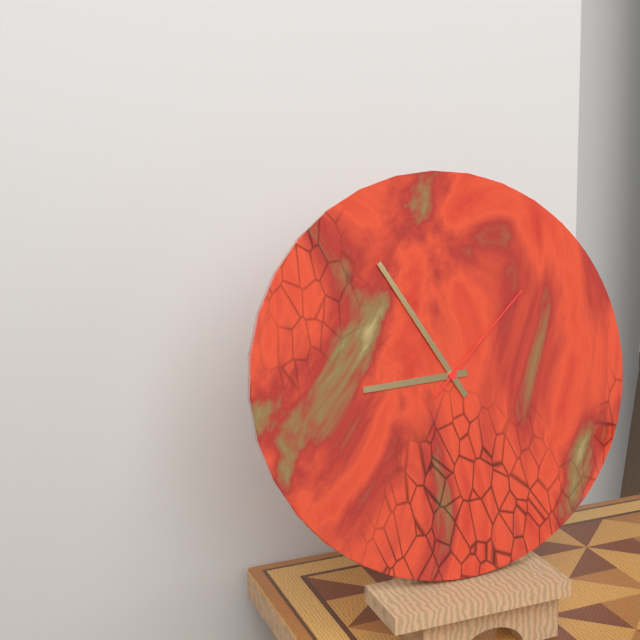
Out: h=8 m=55 s=8
